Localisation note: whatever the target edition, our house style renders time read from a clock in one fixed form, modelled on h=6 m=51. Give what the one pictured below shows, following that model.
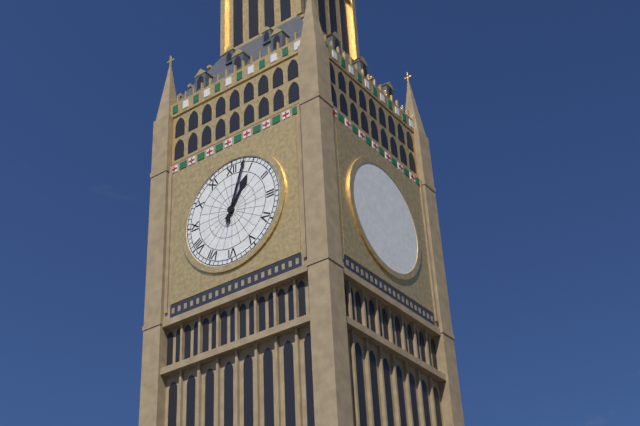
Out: h=1 m=3
